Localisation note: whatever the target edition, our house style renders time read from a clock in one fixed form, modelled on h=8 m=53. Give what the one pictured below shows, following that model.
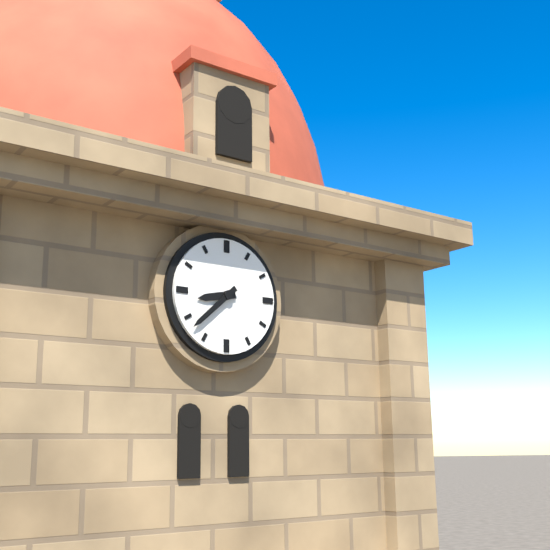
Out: h=8 m=38
